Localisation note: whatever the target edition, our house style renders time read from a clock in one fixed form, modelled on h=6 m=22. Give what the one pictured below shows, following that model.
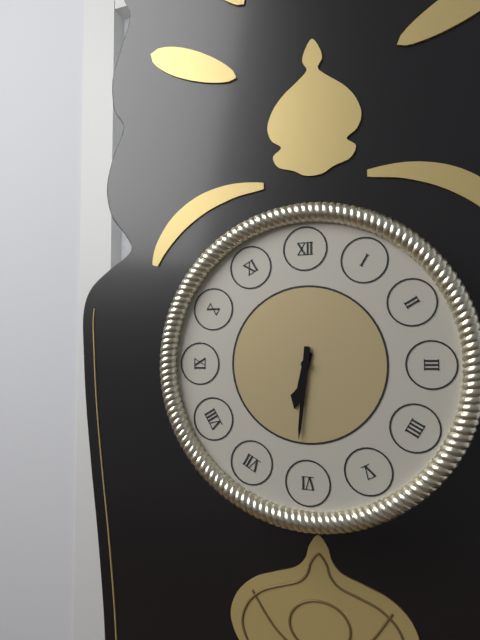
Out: h=6 m=31
